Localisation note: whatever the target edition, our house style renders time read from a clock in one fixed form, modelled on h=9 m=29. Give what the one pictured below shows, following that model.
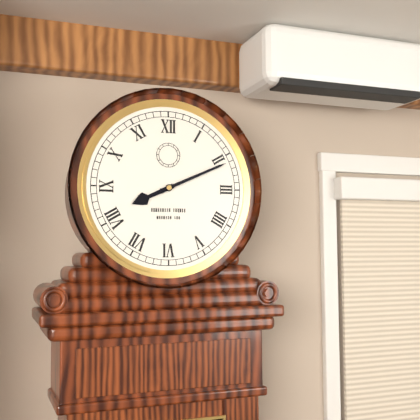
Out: h=8 m=11
